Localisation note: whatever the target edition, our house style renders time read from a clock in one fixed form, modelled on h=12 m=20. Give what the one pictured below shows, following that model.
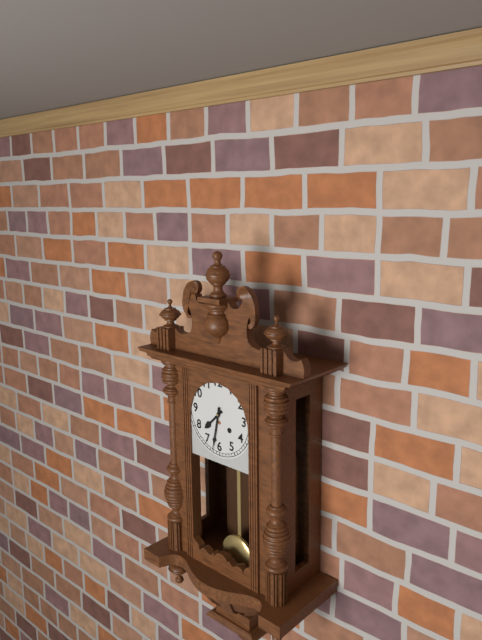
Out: h=7 m=32
